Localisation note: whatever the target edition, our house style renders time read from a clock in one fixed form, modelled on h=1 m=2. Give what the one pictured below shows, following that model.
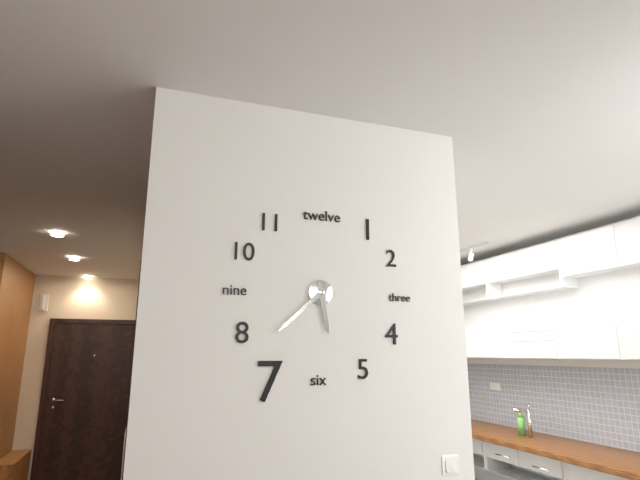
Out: h=5 m=38
